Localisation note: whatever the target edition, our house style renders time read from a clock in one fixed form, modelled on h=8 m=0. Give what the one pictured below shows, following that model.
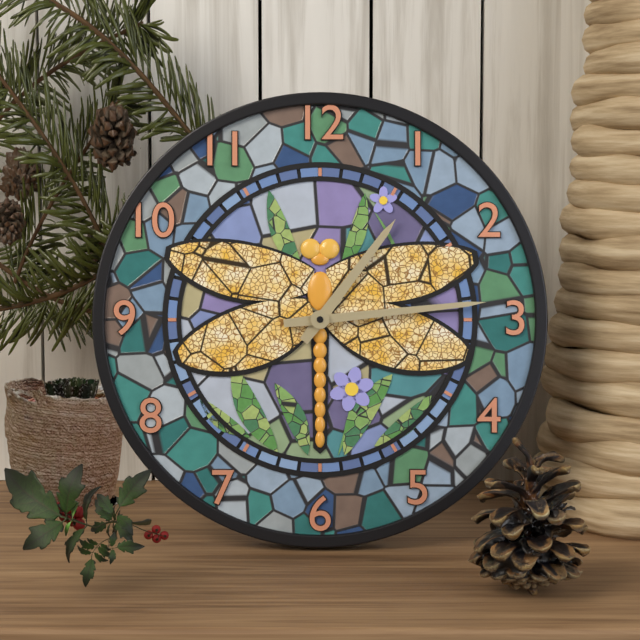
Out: h=1 m=14
